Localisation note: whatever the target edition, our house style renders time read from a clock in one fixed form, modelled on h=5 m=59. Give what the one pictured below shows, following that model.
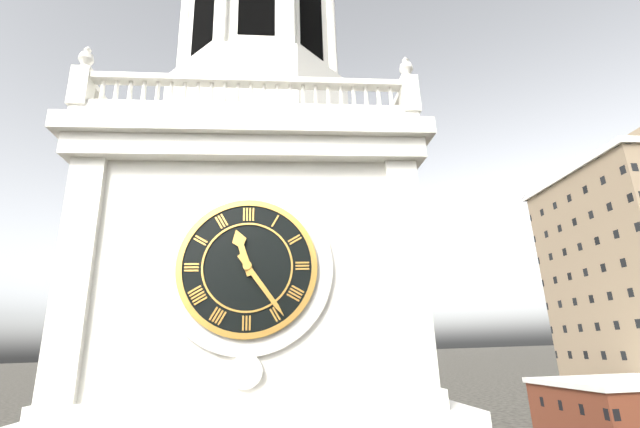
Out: h=11 m=24
